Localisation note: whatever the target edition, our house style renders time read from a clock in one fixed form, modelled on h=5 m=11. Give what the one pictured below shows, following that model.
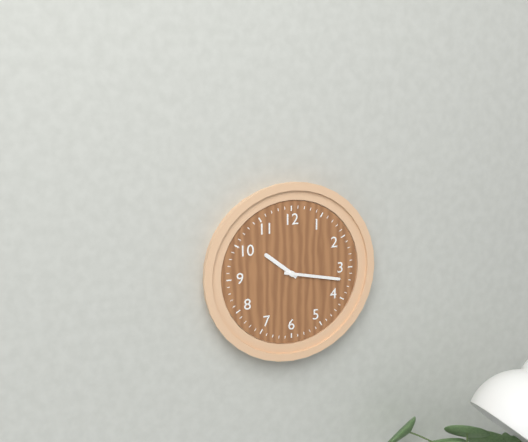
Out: h=10 m=17
